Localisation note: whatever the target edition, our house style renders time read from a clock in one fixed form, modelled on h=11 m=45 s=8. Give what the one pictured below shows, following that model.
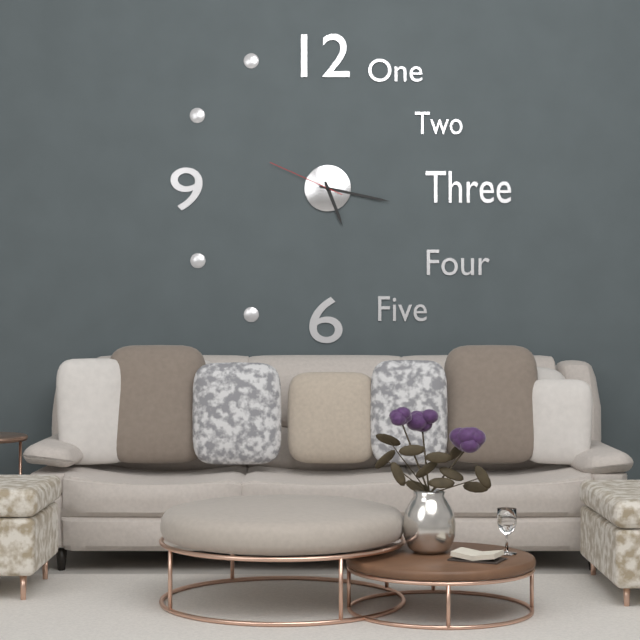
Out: h=5 m=17 s=49
